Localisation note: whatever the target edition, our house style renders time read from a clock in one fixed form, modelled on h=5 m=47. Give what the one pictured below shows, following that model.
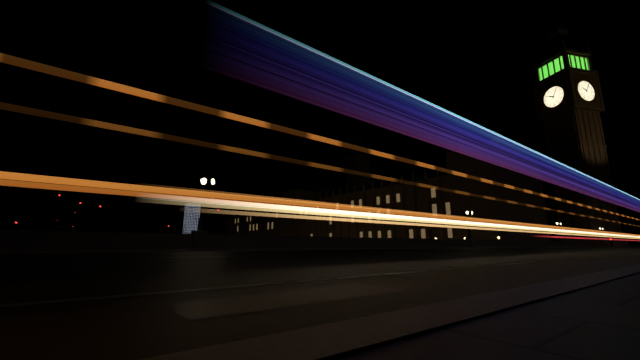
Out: h=10 m=5
